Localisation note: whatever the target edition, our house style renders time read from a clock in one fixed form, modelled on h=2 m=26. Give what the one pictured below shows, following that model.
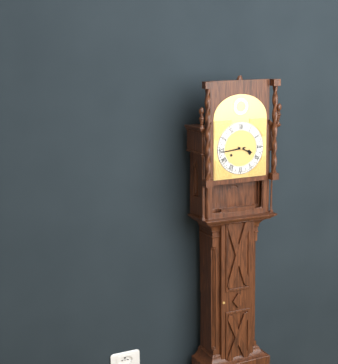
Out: h=3 m=44
